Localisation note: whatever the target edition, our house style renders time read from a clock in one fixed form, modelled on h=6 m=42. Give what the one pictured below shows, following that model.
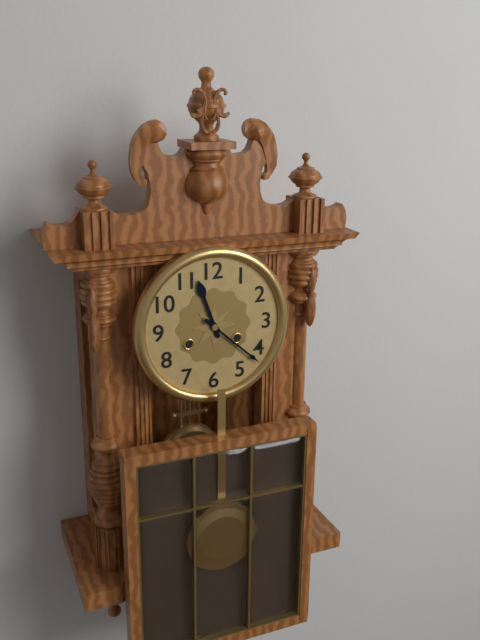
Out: h=11 m=22
